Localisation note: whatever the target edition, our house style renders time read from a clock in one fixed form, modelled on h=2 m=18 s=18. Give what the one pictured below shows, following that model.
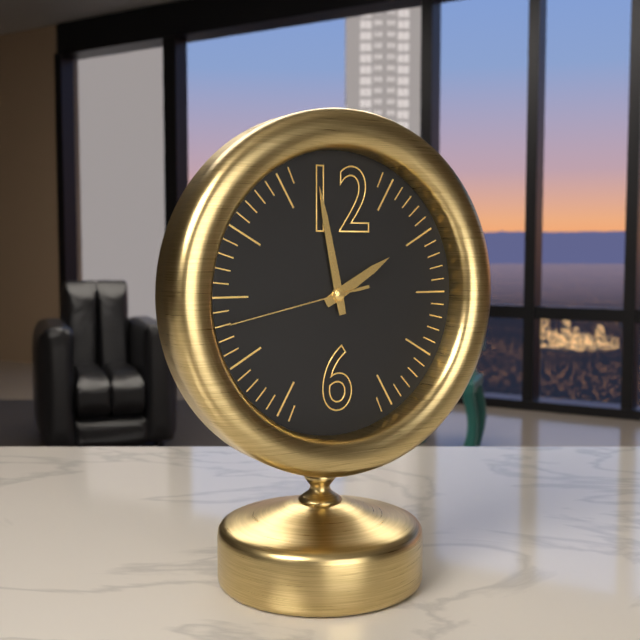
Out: h=1 m=58 s=43
